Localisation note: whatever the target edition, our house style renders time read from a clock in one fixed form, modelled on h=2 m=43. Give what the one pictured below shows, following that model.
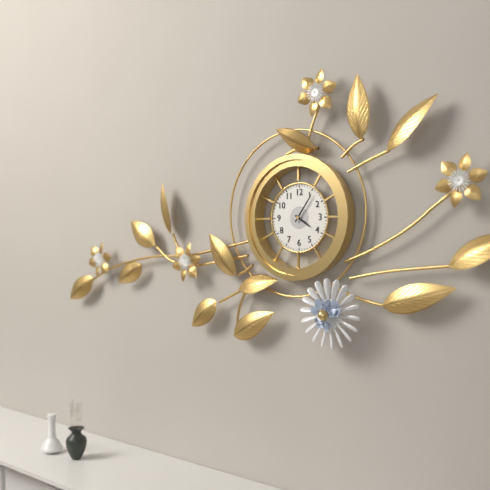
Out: h=4 m=6
